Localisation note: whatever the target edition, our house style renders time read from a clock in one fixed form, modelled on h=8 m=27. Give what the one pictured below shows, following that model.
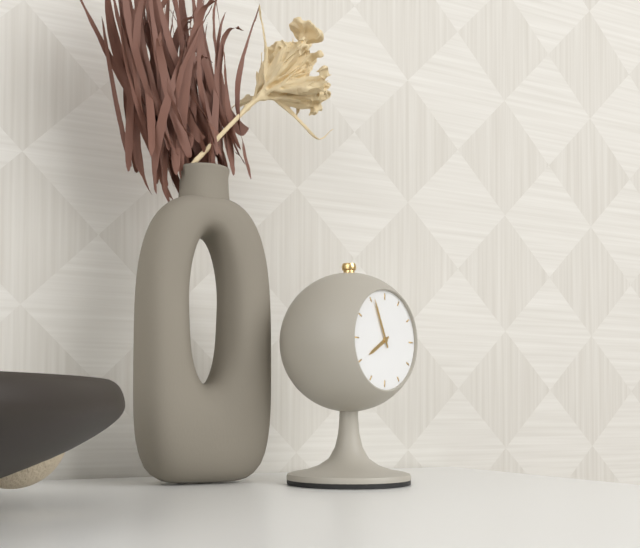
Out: h=7 m=56
